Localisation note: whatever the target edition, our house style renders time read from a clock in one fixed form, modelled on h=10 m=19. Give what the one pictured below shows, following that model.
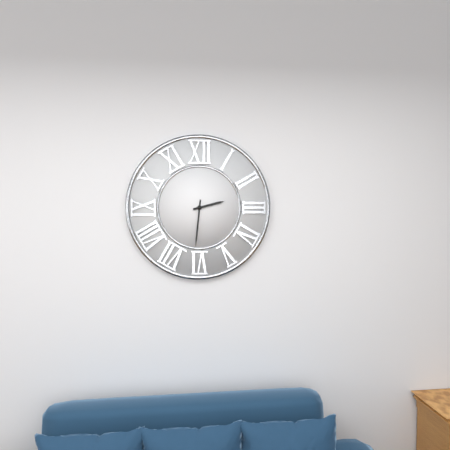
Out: h=2 m=31
